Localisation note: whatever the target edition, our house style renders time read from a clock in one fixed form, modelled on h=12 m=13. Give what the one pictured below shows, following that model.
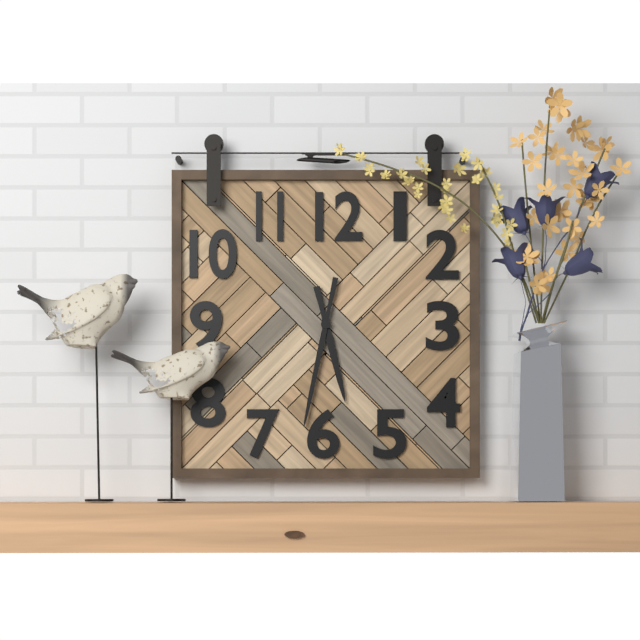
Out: h=5 m=32
